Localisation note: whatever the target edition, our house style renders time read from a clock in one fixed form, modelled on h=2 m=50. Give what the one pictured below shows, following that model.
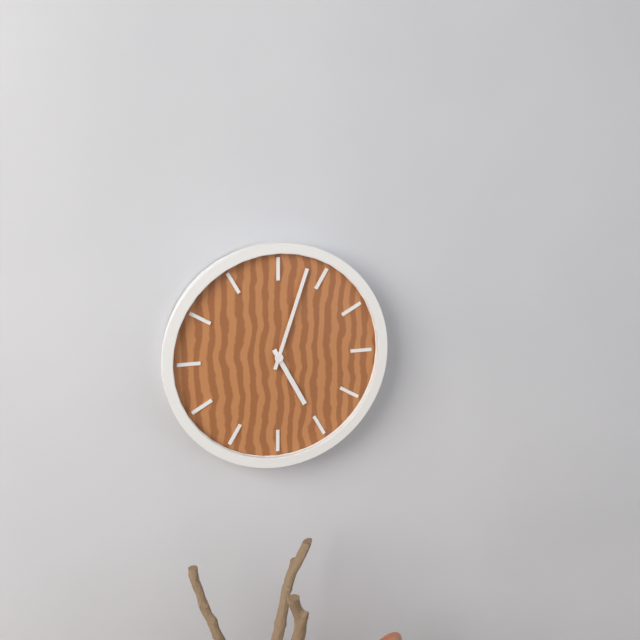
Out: h=5 m=3
